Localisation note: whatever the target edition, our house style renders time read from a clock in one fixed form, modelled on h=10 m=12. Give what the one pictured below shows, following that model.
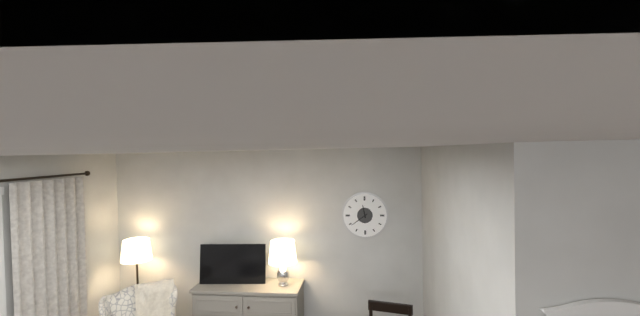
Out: h=11 m=39
